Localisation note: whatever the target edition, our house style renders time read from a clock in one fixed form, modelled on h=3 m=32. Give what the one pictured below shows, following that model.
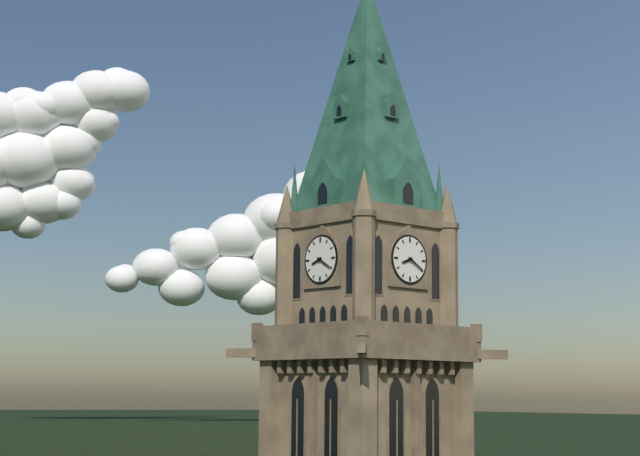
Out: h=8 m=20
